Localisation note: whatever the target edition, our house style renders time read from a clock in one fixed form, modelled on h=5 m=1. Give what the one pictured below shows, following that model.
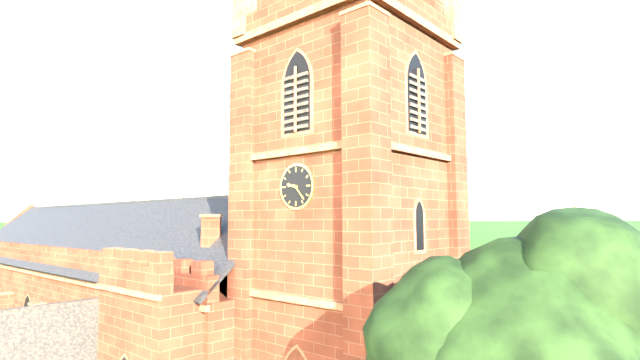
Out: h=9 m=23
